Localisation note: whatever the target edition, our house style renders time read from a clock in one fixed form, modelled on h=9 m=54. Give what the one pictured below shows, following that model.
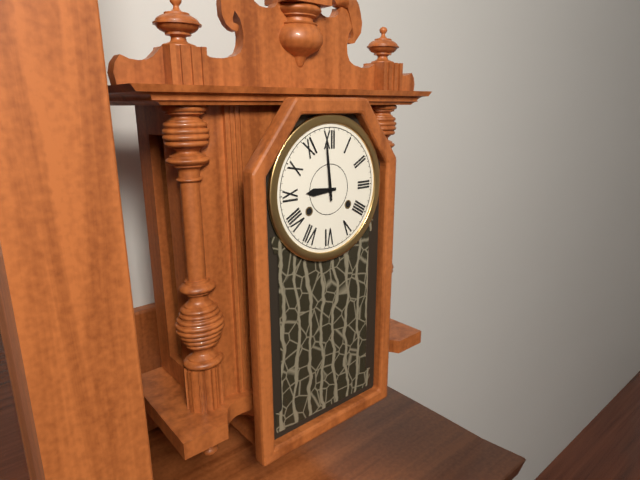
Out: h=8 m=59
